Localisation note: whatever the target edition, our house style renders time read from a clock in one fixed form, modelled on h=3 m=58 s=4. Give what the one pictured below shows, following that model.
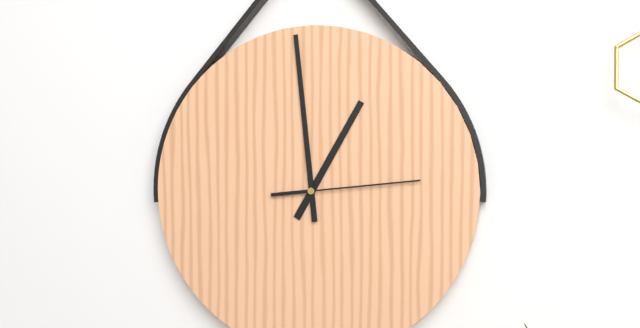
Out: h=12 m=59 s=14
